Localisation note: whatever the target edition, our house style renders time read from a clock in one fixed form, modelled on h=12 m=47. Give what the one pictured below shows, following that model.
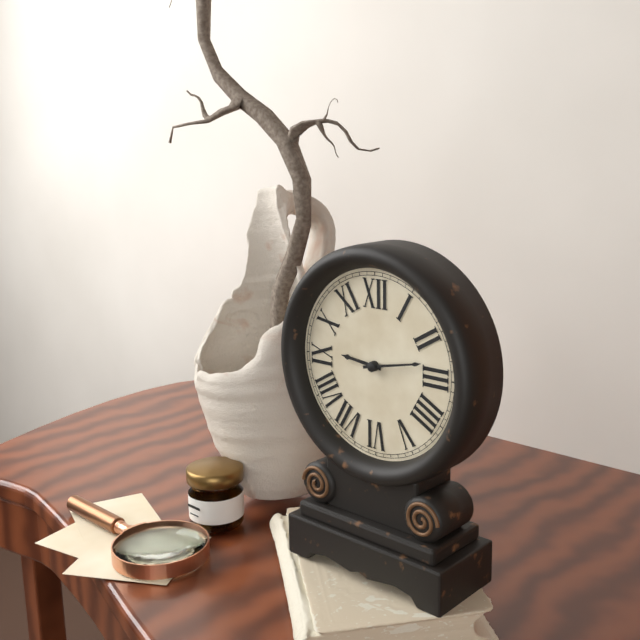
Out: h=9 m=13
